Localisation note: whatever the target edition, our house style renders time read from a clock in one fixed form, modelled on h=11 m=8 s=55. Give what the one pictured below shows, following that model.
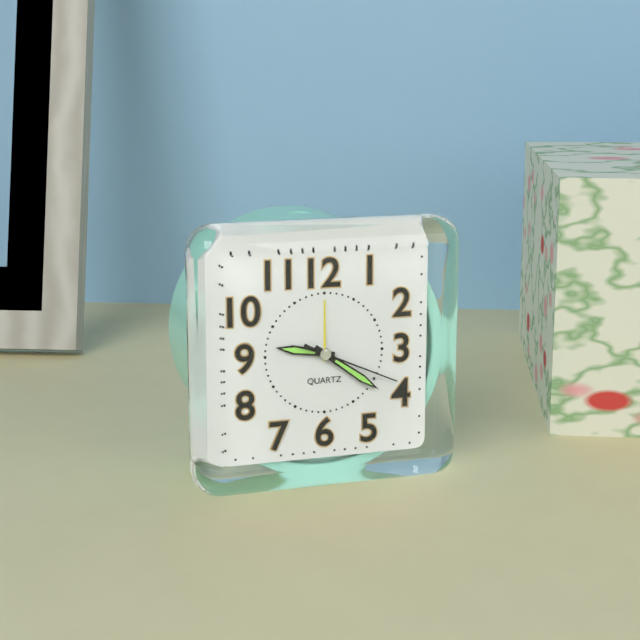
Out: h=9 m=21 s=19
